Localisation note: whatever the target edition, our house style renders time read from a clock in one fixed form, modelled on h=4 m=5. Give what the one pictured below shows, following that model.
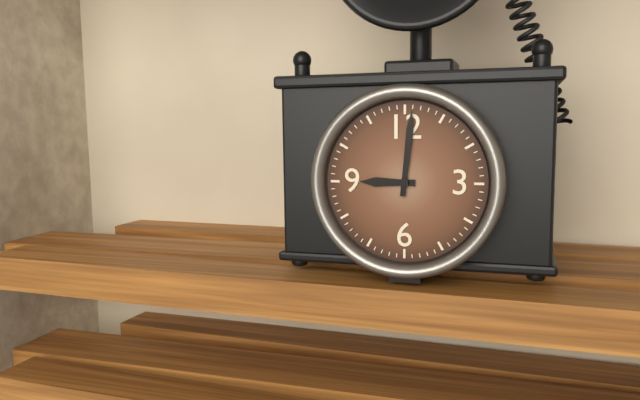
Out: h=9 m=1
